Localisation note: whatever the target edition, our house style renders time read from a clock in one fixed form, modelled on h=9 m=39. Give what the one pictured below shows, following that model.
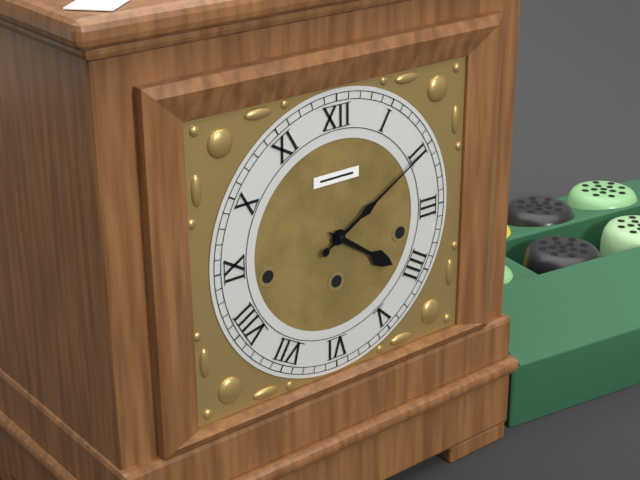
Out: h=4 m=10
